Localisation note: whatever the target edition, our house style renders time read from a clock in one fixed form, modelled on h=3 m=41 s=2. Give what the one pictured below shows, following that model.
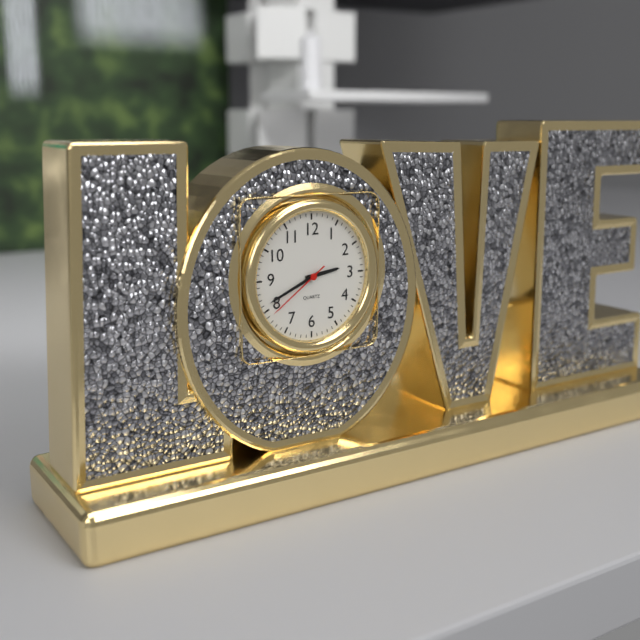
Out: h=2 m=41 s=39
